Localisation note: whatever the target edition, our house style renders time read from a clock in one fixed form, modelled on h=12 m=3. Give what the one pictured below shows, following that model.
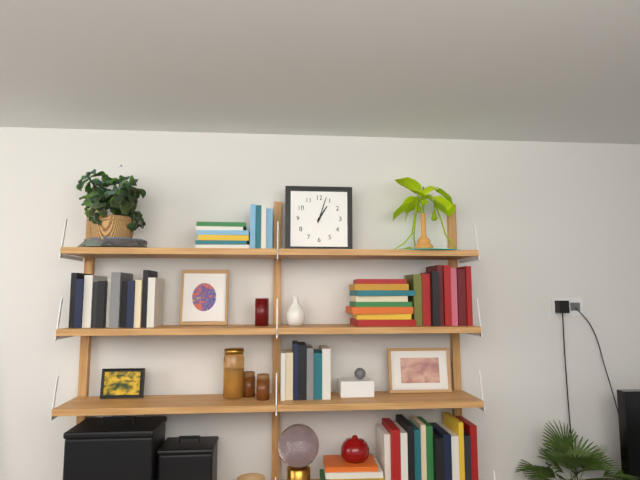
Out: h=1 m=3
